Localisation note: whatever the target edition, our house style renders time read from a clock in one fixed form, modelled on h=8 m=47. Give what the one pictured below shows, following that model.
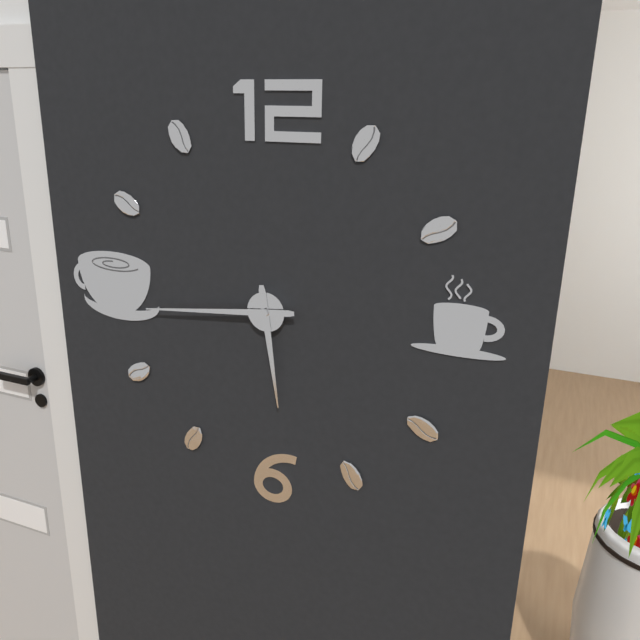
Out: h=5 m=44
